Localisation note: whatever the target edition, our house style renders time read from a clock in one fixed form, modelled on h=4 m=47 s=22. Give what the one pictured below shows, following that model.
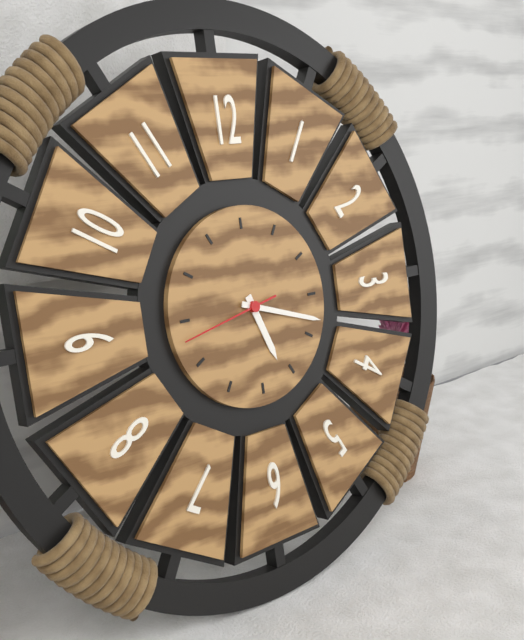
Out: h=5 m=18 s=43
